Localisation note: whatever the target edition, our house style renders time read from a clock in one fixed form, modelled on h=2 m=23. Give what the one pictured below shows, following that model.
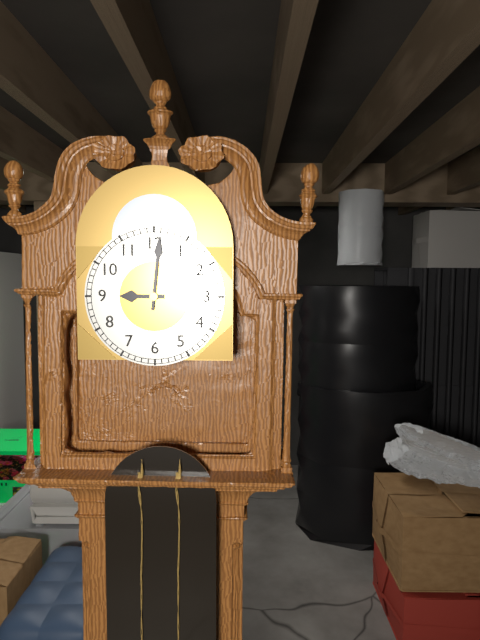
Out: h=9 m=1
